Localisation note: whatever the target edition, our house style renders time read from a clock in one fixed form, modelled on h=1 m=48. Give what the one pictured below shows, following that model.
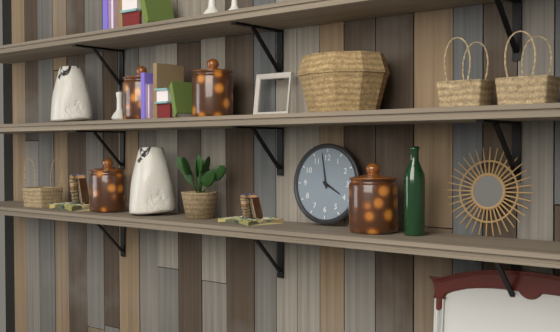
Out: h=3 m=58
